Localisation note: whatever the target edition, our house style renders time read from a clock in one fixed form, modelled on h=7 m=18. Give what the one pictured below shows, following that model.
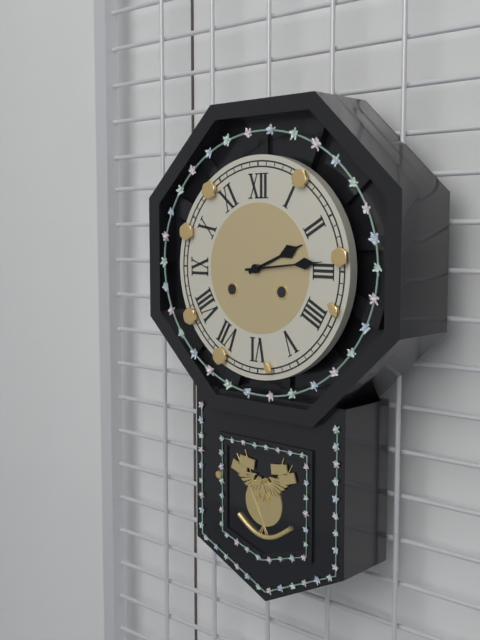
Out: h=2 m=14
